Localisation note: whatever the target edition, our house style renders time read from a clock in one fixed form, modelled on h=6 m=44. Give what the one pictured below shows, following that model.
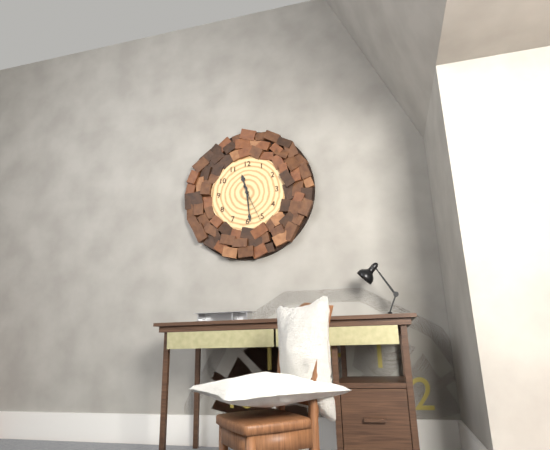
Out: h=11 m=29
